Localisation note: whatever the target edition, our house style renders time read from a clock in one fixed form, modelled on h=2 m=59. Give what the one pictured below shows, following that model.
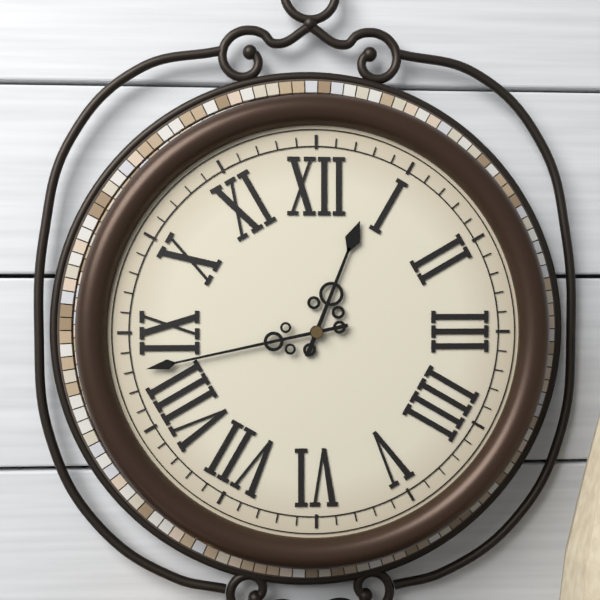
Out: h=12 m=43
